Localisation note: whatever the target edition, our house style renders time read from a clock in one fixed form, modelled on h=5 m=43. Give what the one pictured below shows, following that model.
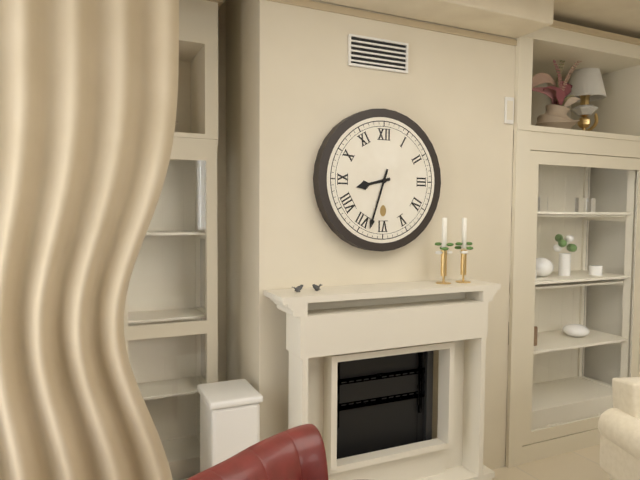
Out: h=8 m=33
